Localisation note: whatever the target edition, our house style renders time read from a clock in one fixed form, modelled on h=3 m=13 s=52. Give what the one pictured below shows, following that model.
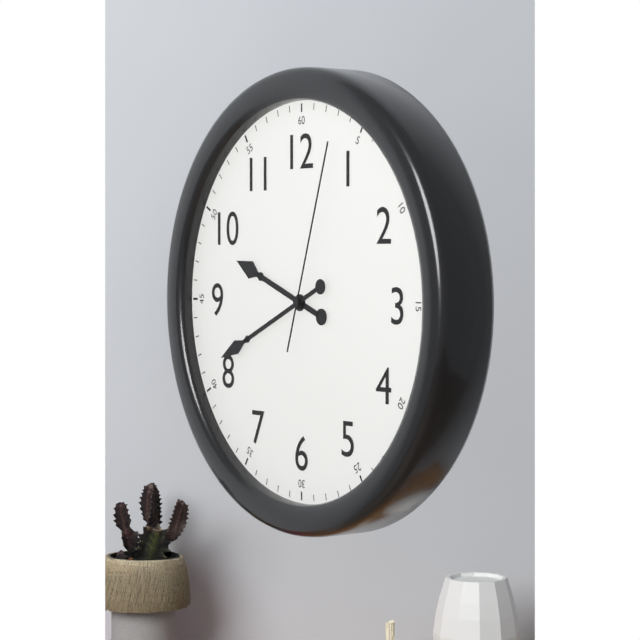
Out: h=9 m=41 s=3
